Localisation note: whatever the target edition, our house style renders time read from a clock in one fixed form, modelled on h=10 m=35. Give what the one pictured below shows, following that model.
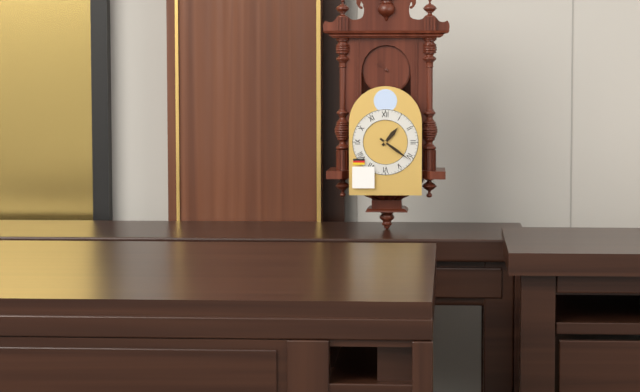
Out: h=1 m=21
